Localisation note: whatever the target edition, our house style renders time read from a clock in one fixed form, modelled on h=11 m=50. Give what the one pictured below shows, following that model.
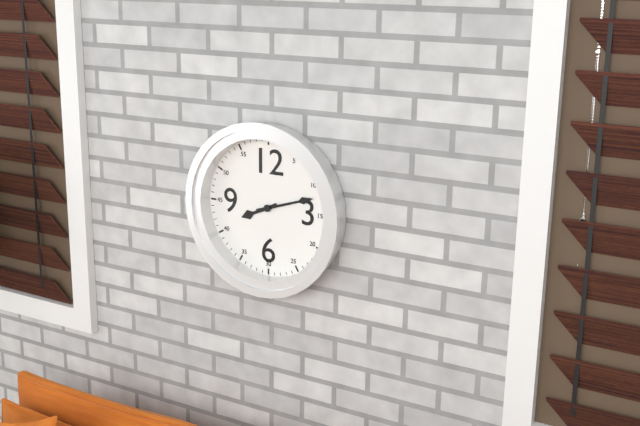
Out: h=8 m=12
